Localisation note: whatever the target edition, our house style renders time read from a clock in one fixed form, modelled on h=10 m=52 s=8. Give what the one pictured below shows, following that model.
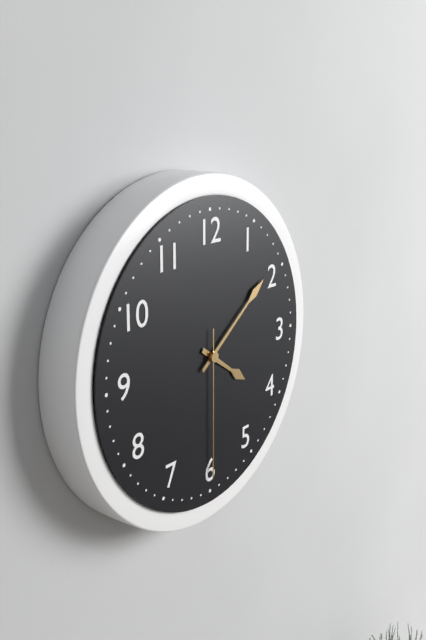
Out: h=4 m=9 s=30
